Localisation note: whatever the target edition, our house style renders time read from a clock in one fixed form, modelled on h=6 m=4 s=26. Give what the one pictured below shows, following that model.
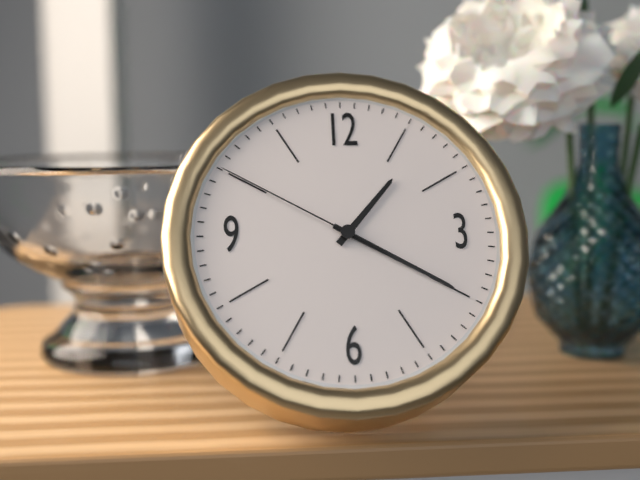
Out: h=1 m=20 s=50
